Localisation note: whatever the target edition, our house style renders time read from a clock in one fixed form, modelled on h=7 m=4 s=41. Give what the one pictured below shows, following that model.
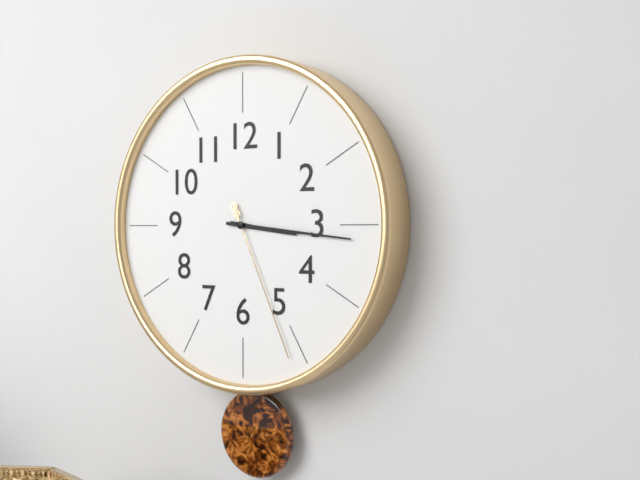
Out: h=3 m=16 s=26
